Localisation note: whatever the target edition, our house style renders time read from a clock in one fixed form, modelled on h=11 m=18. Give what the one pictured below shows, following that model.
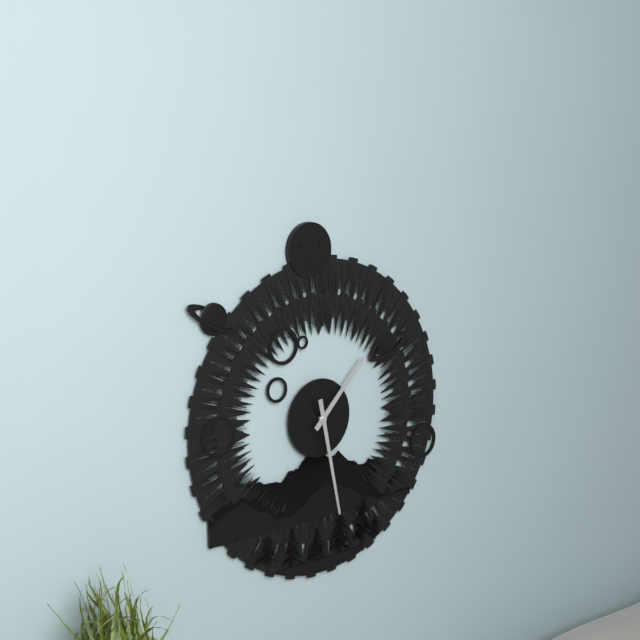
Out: h=1 m=28
